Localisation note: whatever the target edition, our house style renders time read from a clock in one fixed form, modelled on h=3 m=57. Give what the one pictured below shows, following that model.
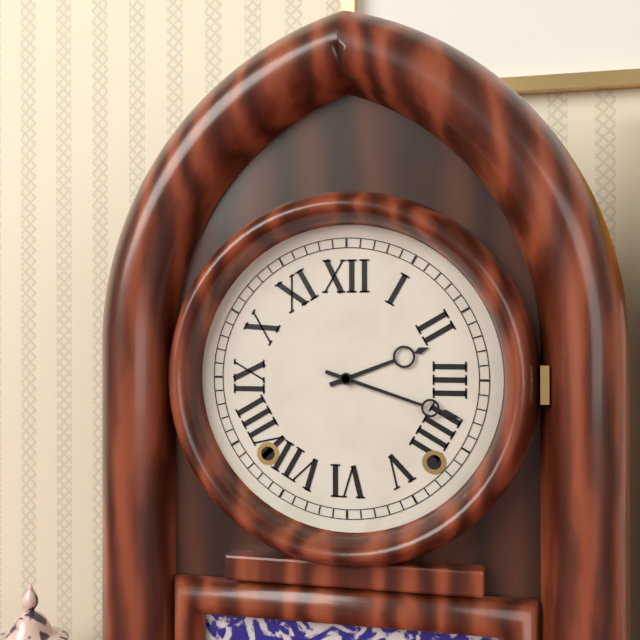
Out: h=2 m=18
